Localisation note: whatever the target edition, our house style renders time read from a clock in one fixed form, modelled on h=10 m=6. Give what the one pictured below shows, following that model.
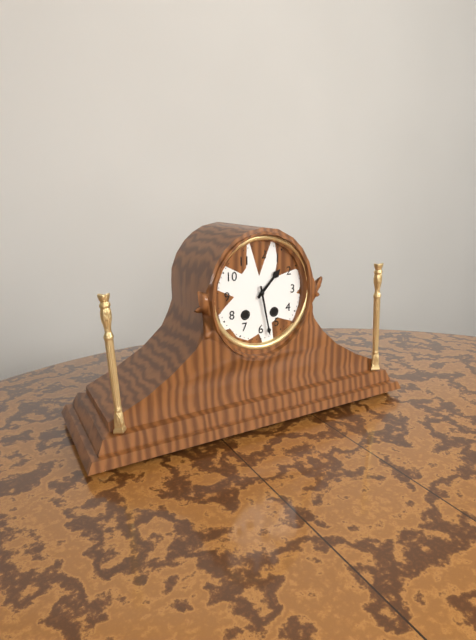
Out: h=1 m=28
